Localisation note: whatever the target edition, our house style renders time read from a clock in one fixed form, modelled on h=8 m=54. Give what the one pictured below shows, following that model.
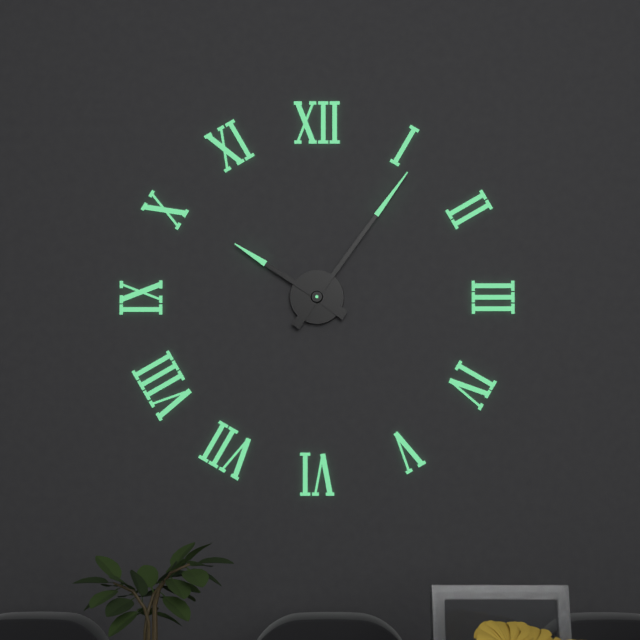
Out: h=10 m=6
